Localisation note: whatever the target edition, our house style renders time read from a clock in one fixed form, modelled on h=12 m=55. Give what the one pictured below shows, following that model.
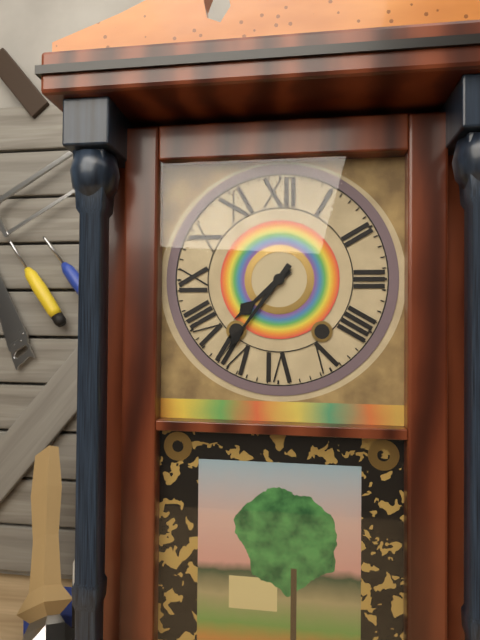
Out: h=7 m=36
